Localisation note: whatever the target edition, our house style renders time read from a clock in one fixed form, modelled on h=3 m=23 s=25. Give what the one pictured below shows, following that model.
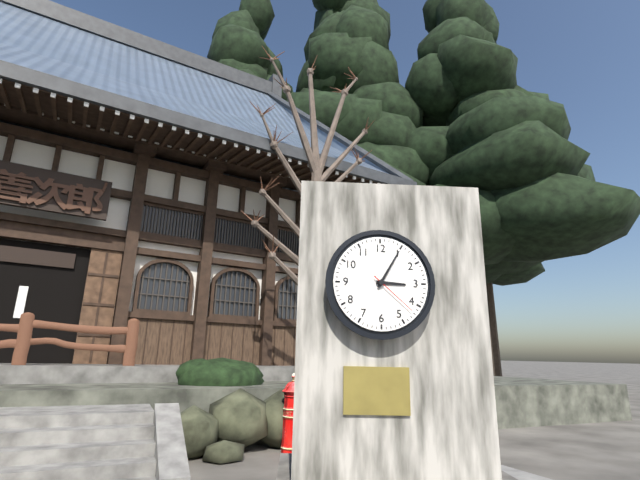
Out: h=3 m=5 s=22
